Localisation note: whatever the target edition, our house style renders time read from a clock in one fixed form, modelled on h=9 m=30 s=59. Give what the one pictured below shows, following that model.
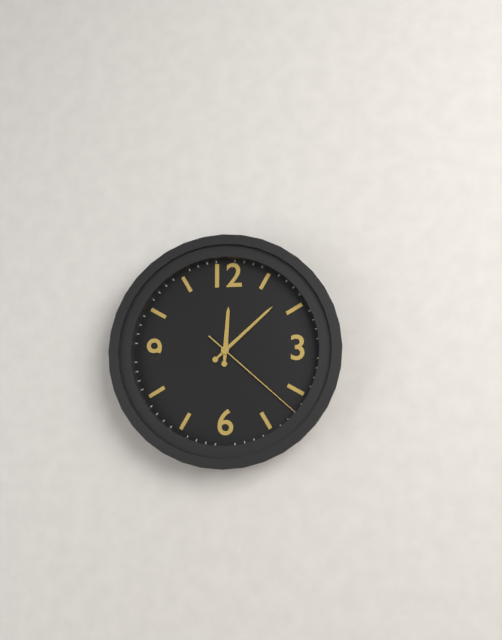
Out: h=12 m=8 s=22
